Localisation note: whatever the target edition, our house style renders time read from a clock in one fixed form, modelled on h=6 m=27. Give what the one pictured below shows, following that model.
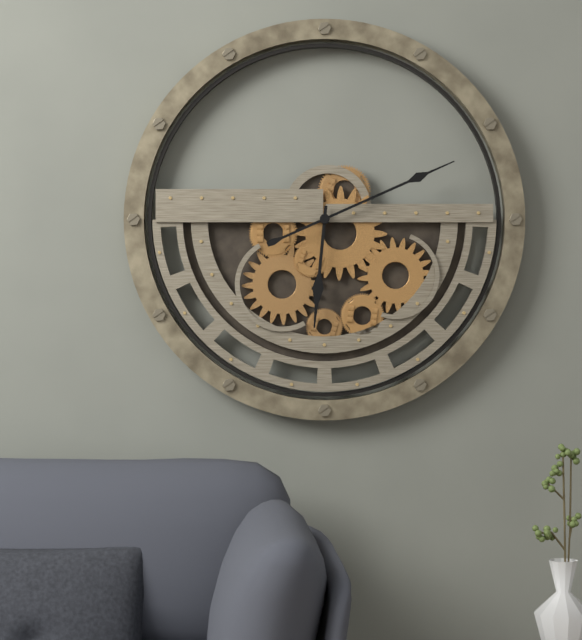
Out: h=6 m=11
